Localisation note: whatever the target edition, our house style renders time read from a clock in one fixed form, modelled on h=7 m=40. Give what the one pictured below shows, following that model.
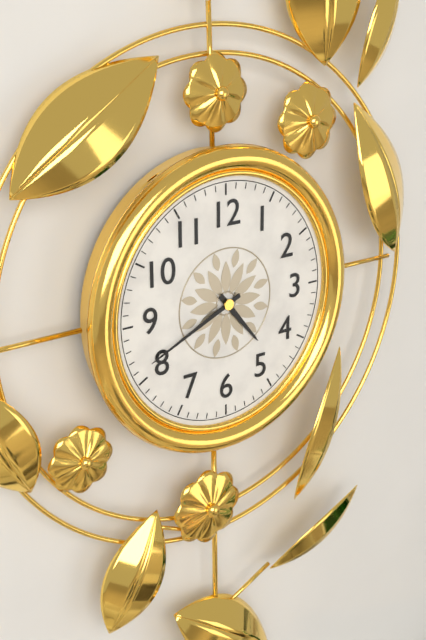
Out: h=4 m=41
